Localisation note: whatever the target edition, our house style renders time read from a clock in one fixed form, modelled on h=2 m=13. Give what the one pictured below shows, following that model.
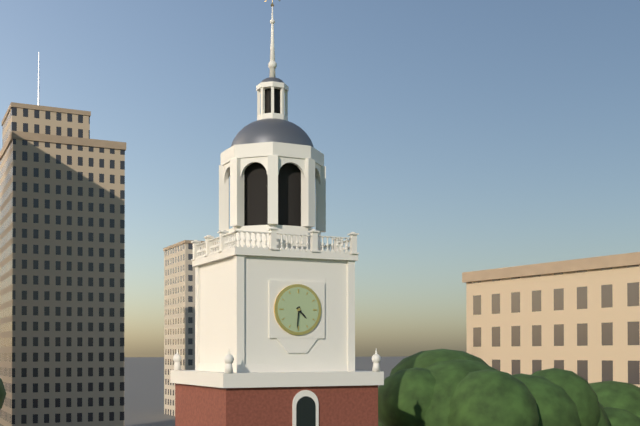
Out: h=4 m=31
